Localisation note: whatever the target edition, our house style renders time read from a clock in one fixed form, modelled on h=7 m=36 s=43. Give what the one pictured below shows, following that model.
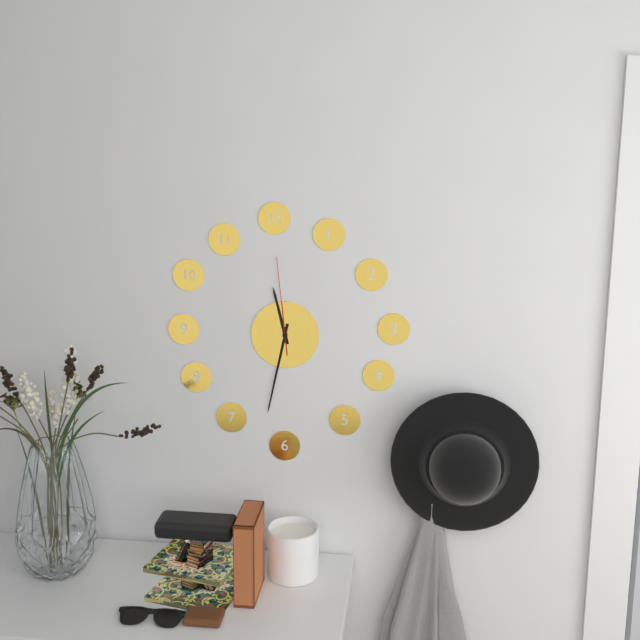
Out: h=11 m=32 s=59
